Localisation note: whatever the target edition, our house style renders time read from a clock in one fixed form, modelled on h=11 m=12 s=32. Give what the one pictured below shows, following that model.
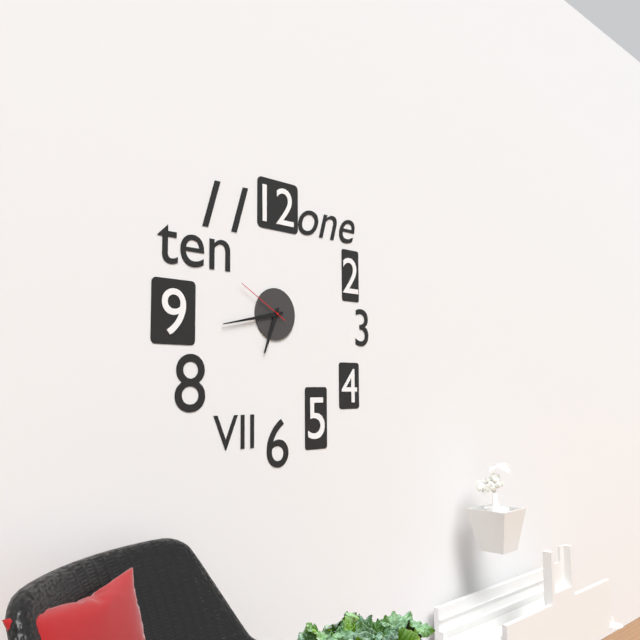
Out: h=6 m=43 s=50
